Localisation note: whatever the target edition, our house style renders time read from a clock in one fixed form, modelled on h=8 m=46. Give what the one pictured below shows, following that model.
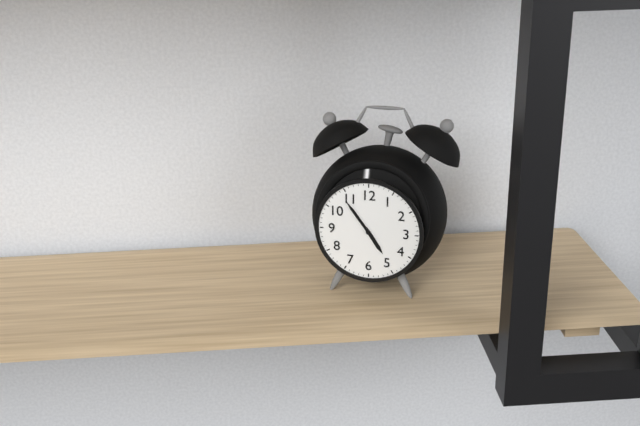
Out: h=4 m=54
